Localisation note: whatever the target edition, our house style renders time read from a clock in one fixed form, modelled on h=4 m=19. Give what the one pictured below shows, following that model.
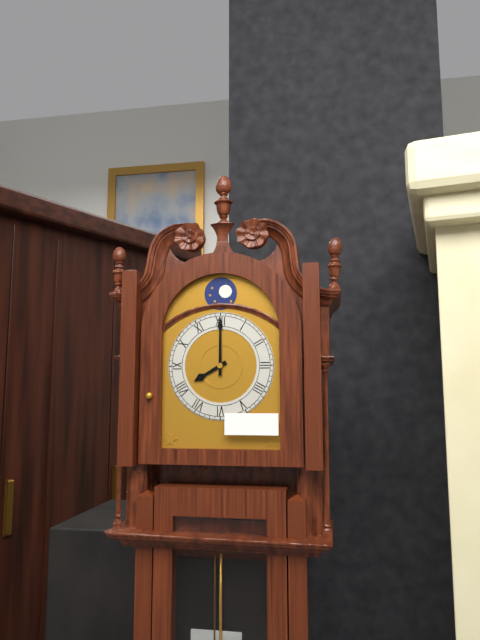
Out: h=8 m=0
